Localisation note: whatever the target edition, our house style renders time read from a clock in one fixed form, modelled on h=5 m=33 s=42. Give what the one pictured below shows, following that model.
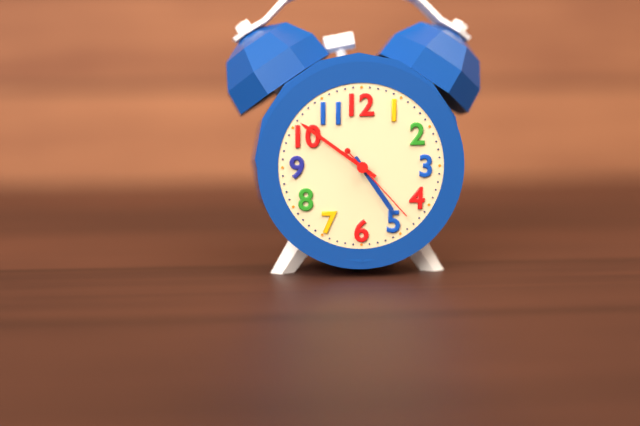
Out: h=4 m=51 s=23
